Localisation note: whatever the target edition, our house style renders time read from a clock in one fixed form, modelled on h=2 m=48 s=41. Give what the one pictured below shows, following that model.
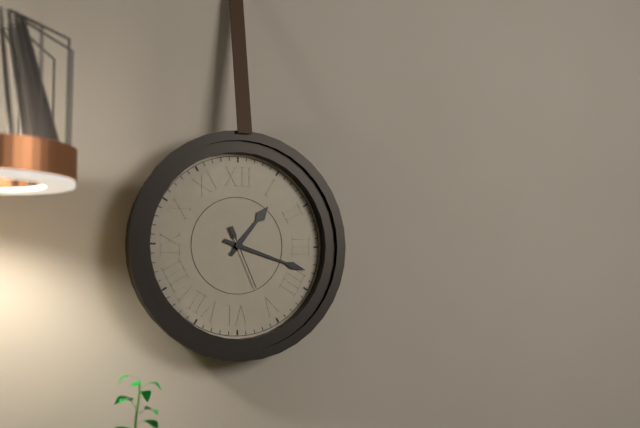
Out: h=1 m=18 s=26
